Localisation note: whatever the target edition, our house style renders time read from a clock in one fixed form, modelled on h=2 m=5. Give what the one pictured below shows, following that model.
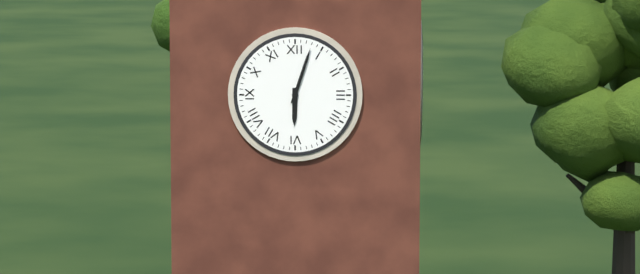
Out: h=6 m=3
